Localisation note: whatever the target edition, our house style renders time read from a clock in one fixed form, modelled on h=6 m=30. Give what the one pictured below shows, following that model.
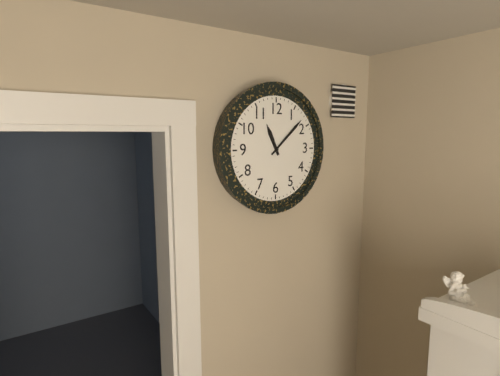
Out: h=11 m=8
